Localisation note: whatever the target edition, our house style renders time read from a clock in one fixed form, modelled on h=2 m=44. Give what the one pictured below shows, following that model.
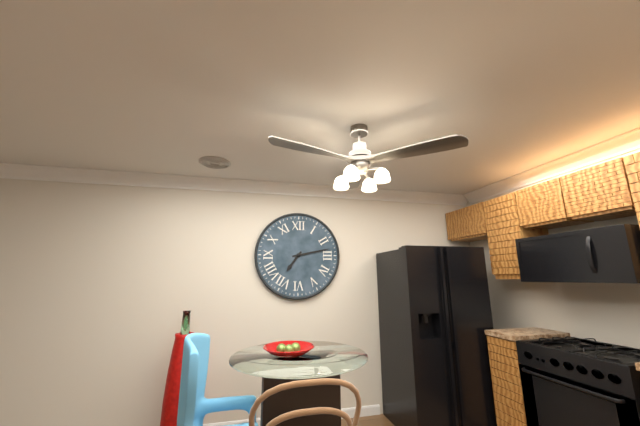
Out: h=7 m=13
